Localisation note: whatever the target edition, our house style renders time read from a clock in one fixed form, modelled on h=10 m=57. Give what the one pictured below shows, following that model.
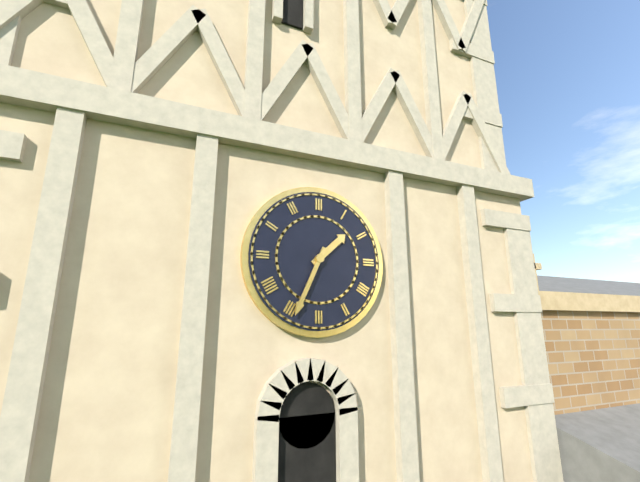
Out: h=1 m=34
